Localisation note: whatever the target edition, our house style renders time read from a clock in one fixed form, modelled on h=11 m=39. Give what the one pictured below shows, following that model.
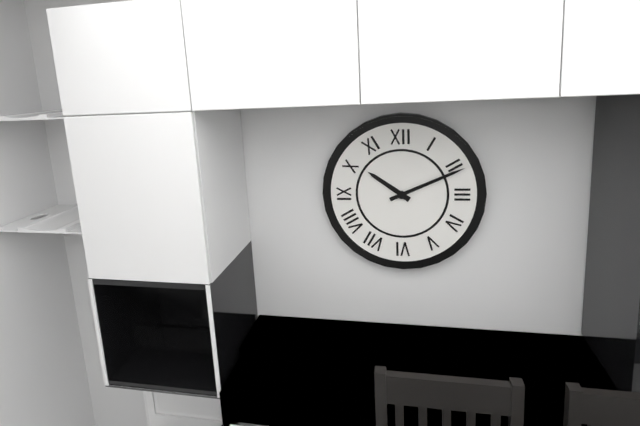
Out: h=10 m=11
